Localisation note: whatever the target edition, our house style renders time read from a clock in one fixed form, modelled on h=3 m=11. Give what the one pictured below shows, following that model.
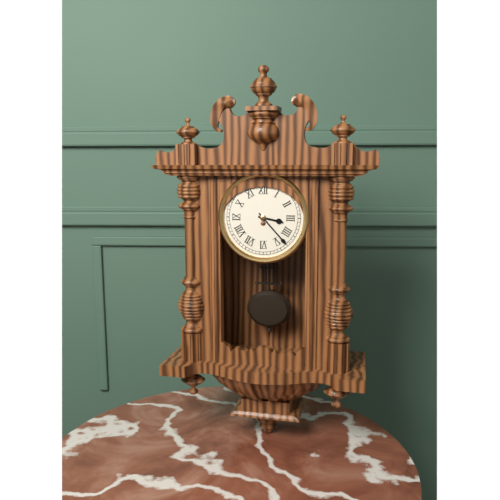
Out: h=3 m=23
